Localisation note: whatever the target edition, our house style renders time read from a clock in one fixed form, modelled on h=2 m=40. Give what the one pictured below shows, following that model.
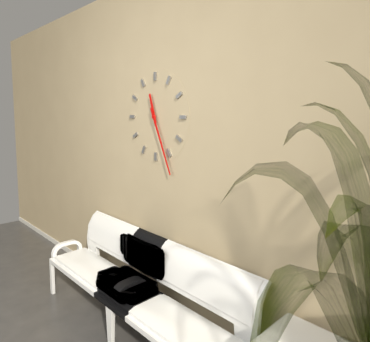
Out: h=11 m=26
